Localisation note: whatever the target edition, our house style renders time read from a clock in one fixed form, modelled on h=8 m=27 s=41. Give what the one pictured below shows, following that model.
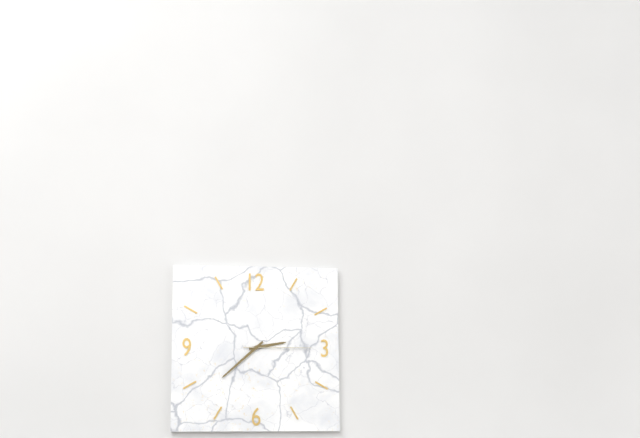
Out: h=2 m=38 s=15
